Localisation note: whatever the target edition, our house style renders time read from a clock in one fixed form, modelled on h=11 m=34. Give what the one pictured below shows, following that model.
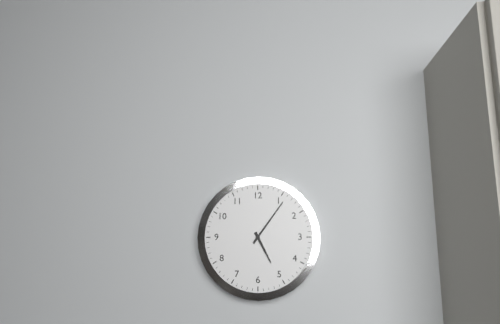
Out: h=5 m=6
